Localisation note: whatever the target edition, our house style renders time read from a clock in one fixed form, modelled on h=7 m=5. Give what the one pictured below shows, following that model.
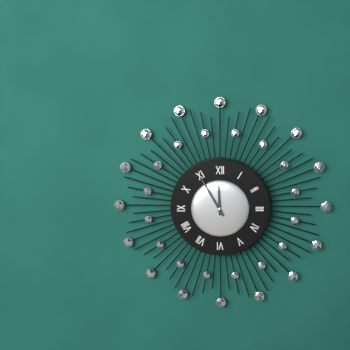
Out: h=11 m=55
